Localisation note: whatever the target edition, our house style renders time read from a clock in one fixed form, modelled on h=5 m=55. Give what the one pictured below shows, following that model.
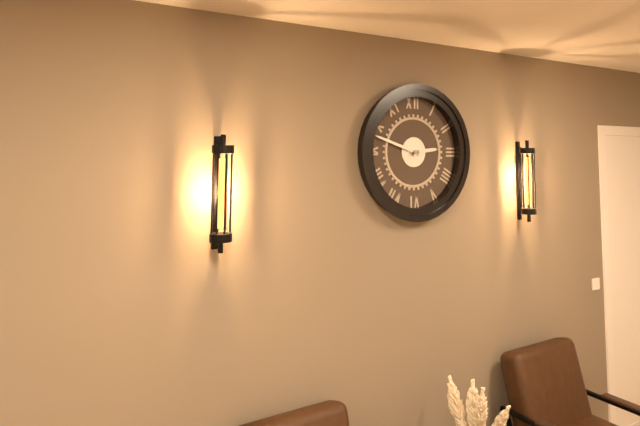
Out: h=2 m=48
